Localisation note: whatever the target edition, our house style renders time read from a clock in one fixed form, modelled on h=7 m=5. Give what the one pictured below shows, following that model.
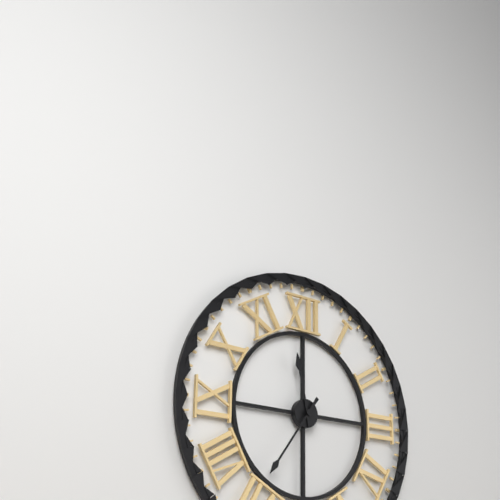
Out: h=11 m=36
